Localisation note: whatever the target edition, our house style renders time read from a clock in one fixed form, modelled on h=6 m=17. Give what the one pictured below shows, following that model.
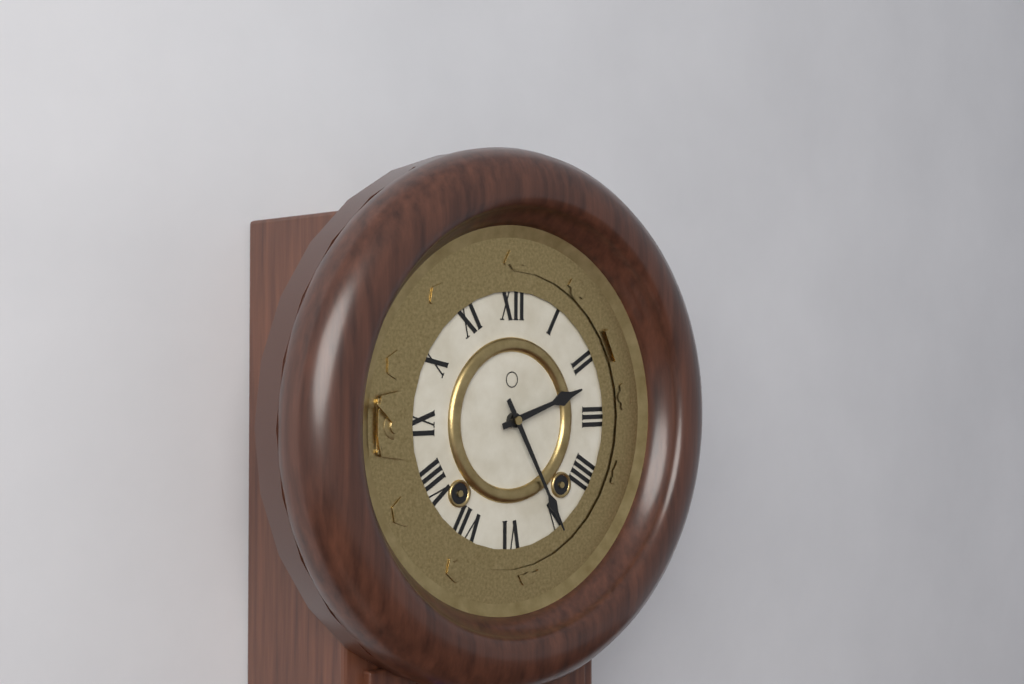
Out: h=2 m=25
